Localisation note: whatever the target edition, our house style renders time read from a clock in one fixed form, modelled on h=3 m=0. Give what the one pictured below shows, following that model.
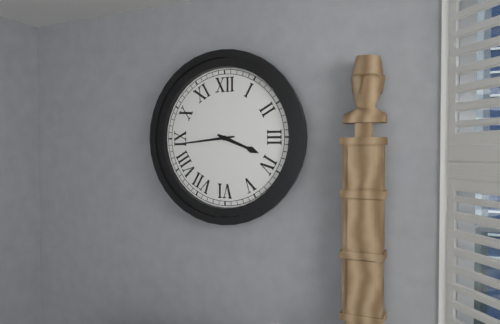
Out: h=3 m=44
